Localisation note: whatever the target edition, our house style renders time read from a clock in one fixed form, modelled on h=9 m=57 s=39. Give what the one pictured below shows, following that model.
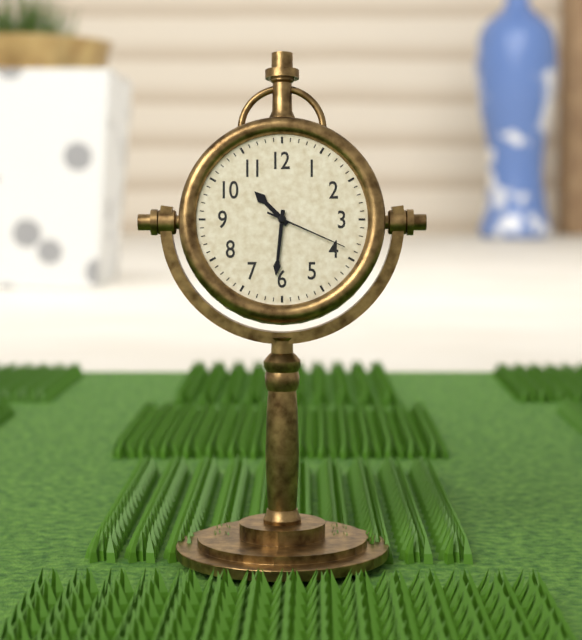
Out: h=10 m=31 s=19
